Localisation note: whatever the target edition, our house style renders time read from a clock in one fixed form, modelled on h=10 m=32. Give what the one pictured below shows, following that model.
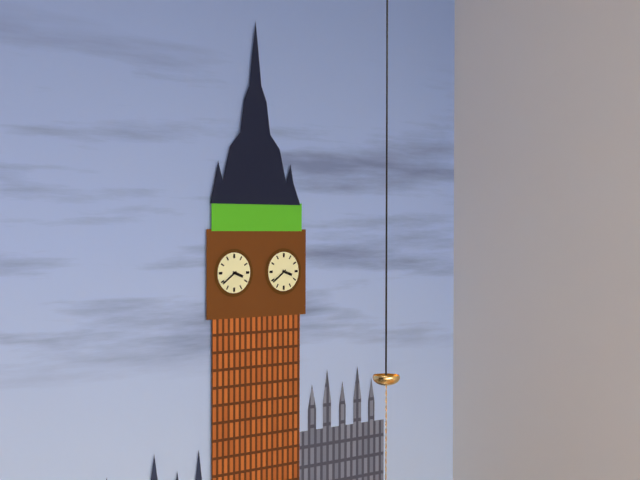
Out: h=3 m=39
